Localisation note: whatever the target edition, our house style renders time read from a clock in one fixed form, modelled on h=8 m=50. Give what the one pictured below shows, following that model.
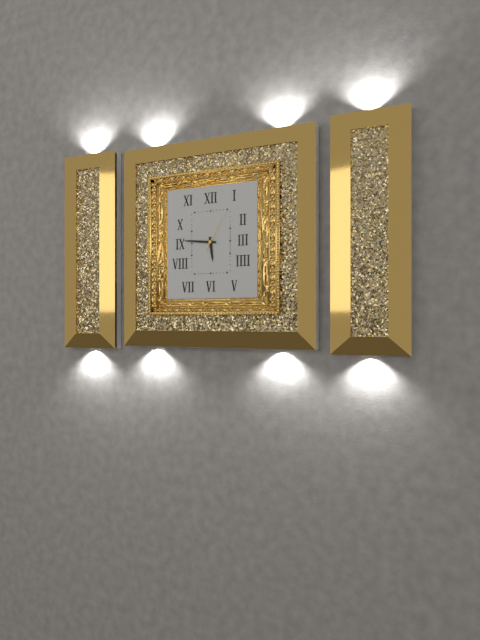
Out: h=5 m=46
